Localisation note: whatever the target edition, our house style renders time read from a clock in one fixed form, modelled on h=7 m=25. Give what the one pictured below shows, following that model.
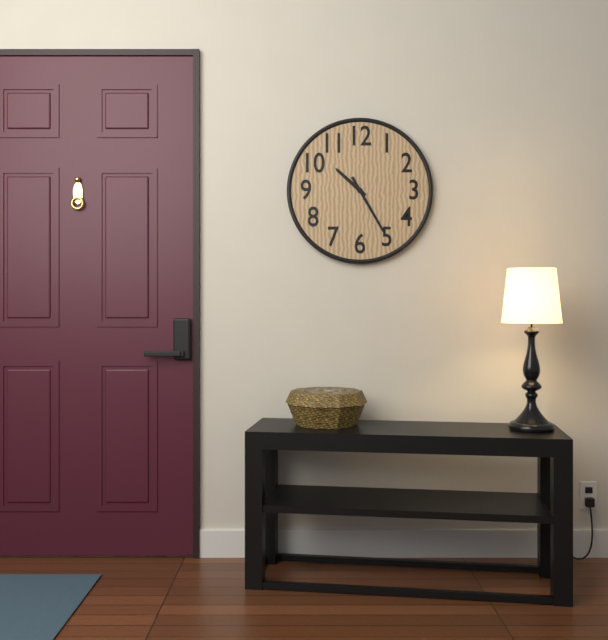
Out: h=10 m=25
